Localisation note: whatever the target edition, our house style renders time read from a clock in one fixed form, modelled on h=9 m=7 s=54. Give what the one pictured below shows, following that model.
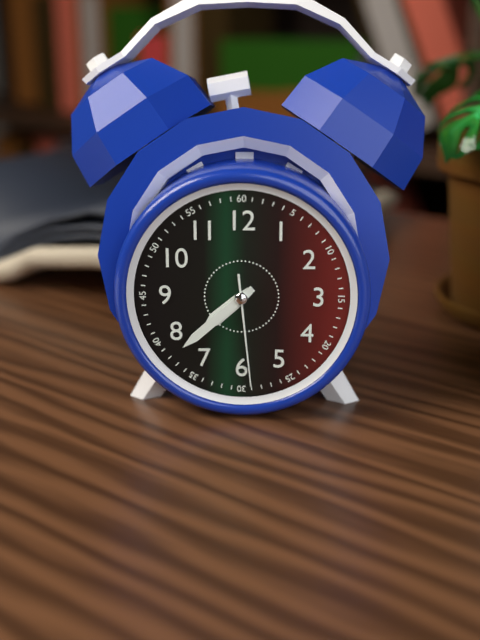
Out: h=7 m=38 s=29
